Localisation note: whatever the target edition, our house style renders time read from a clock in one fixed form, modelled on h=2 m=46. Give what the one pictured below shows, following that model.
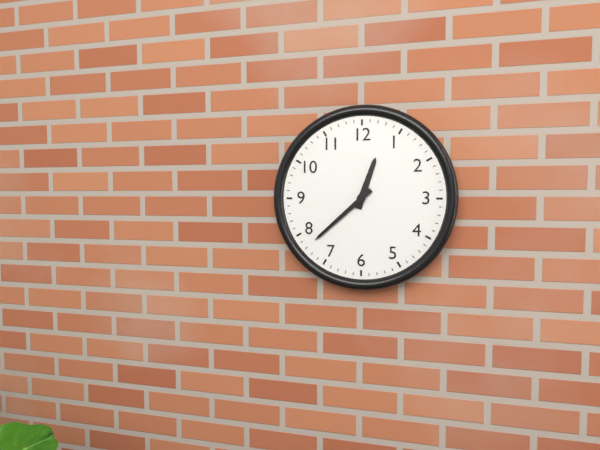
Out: h=12 m=38
